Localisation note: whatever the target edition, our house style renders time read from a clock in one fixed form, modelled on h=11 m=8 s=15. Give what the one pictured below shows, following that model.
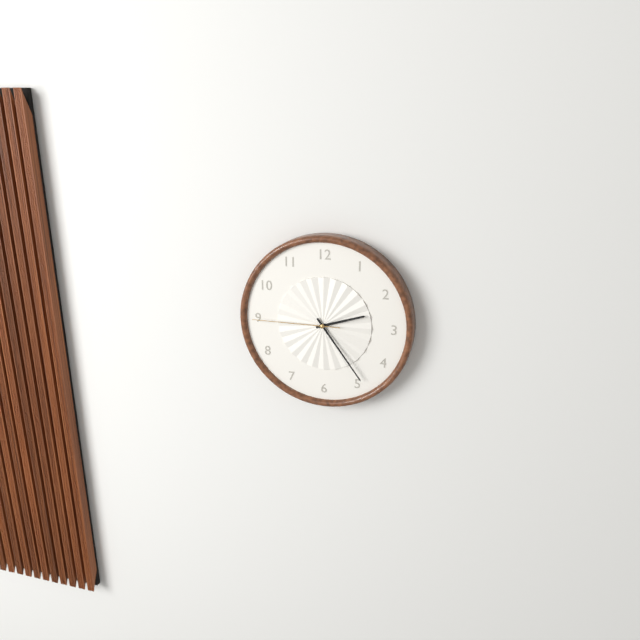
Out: h=2 m=24 s=45
